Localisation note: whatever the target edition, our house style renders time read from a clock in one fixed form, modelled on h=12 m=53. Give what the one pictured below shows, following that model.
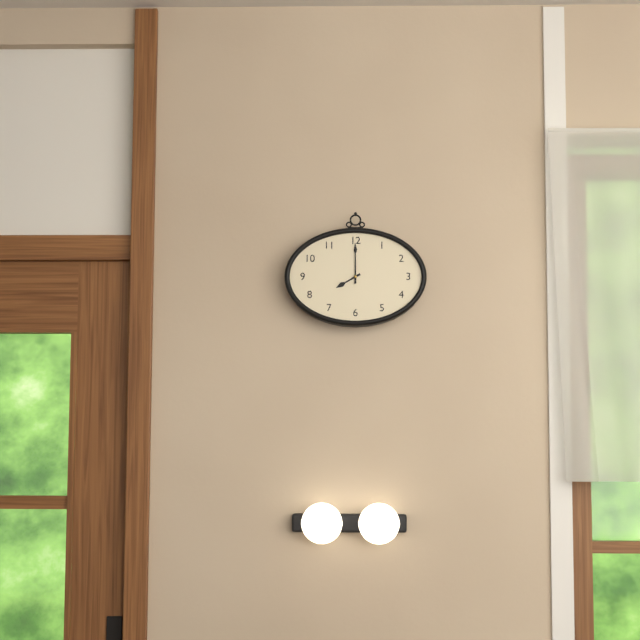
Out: h=8 m=0
